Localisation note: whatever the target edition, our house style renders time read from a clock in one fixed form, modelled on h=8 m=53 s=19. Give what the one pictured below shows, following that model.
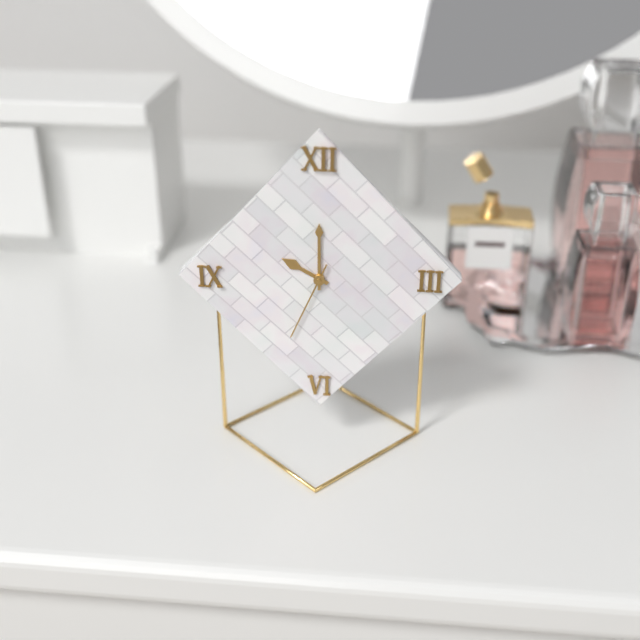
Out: h=10 m=0 s=34
